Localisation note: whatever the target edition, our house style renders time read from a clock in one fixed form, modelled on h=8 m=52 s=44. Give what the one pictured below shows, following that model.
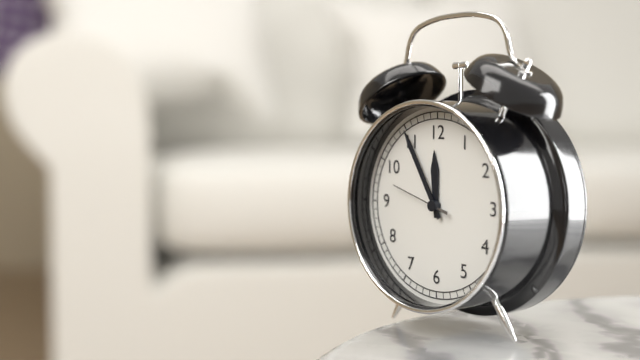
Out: h=11 m=55 s=48
